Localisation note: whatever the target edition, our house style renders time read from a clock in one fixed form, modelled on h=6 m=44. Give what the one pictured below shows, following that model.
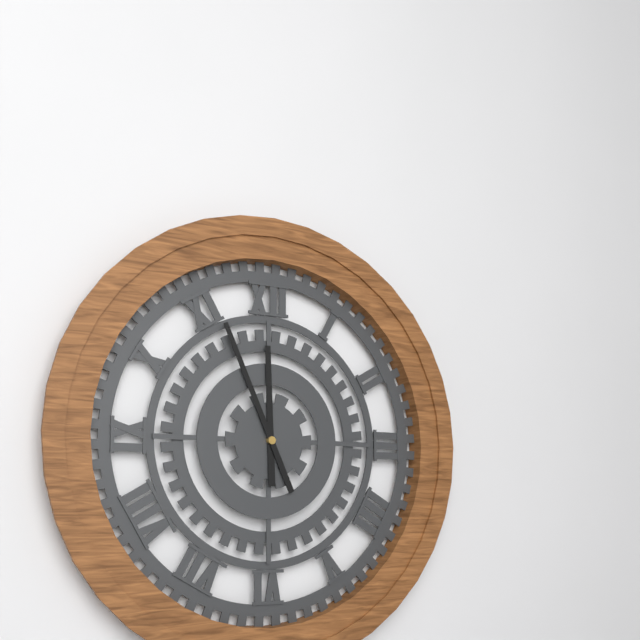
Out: h=11 m=56
